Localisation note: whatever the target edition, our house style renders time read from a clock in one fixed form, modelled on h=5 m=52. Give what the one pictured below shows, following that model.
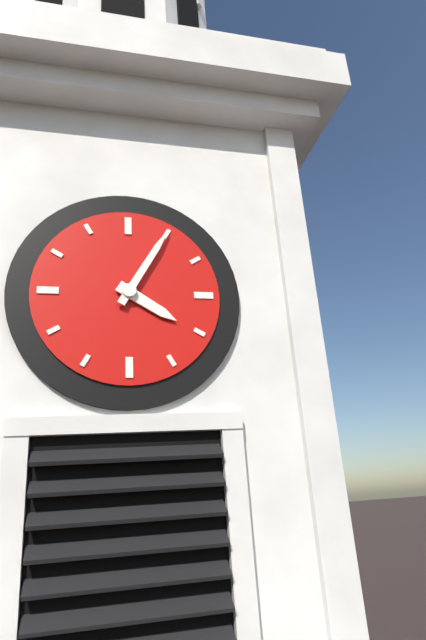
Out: h=4 m=5
